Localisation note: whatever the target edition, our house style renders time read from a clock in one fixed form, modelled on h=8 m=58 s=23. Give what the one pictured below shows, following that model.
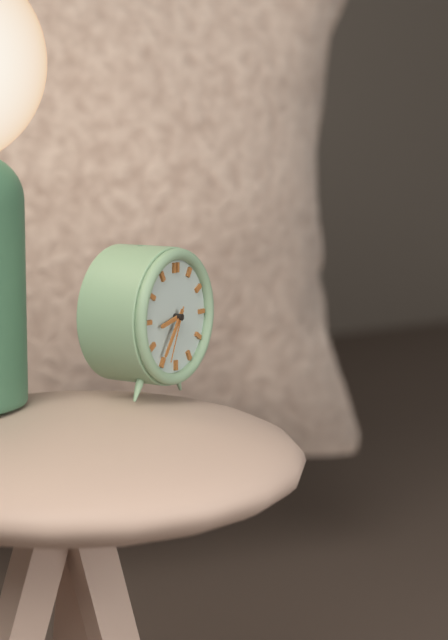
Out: h=8 m=36 s=34
